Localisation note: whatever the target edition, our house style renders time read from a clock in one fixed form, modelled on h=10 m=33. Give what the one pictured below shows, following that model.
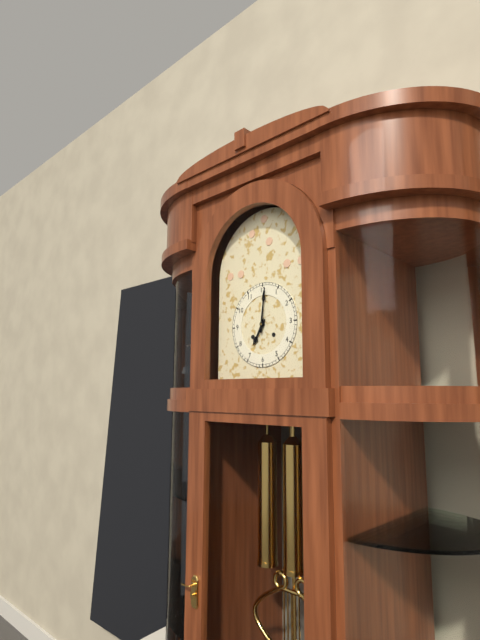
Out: h=7 m=1
